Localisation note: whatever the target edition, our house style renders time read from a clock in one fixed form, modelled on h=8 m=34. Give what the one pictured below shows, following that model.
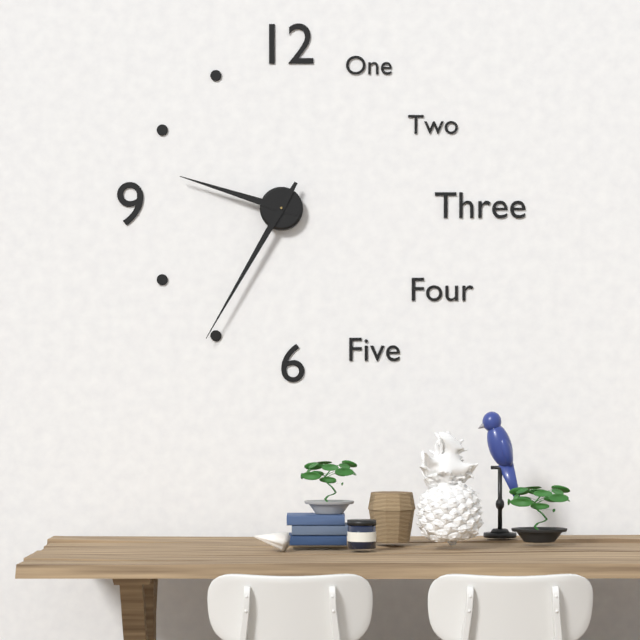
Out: h=9 m=35
